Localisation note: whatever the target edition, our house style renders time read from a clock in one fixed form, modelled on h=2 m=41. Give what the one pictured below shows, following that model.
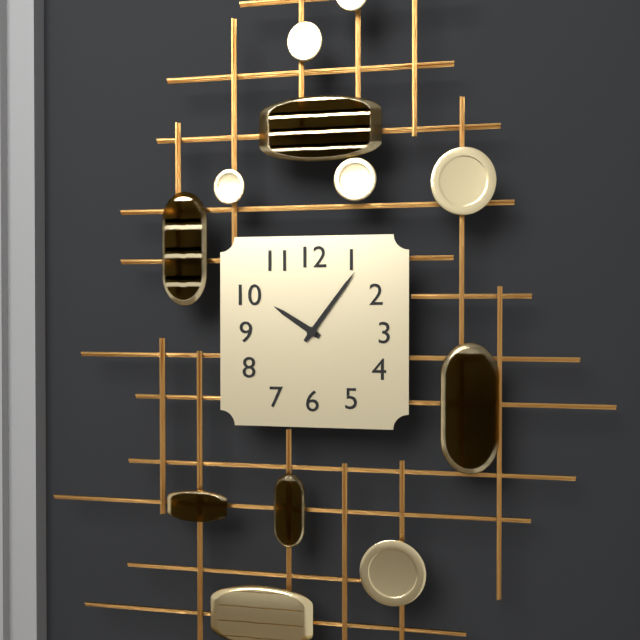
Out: h=10 m=6
